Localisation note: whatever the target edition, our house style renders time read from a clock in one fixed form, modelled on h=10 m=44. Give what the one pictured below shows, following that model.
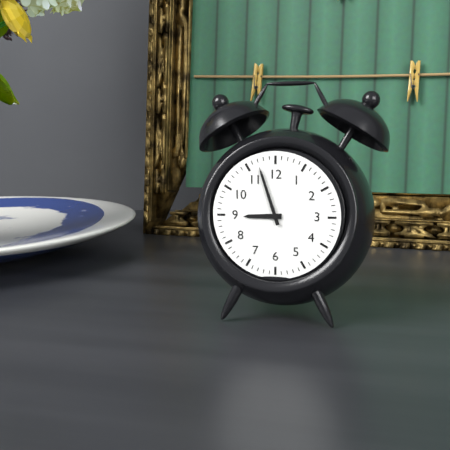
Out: h=8 m=57
